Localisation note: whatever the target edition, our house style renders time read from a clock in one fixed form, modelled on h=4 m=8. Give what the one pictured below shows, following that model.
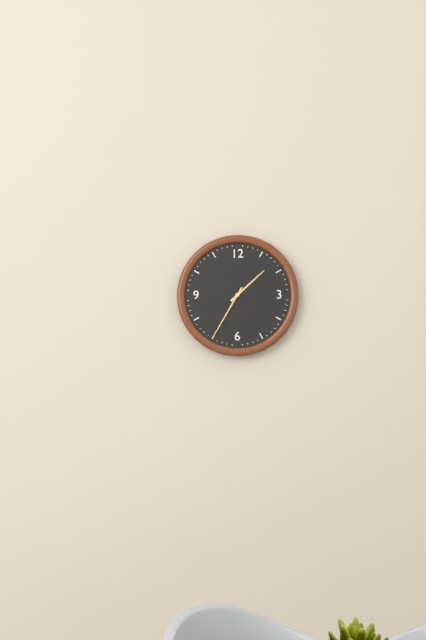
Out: h=1 m=35
